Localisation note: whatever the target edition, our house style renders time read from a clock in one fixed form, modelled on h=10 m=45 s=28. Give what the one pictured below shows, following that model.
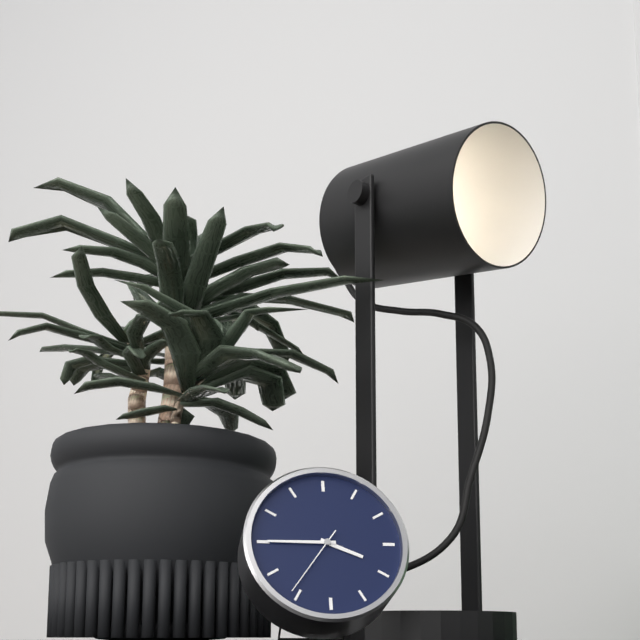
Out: h=3 m=45 s=36
